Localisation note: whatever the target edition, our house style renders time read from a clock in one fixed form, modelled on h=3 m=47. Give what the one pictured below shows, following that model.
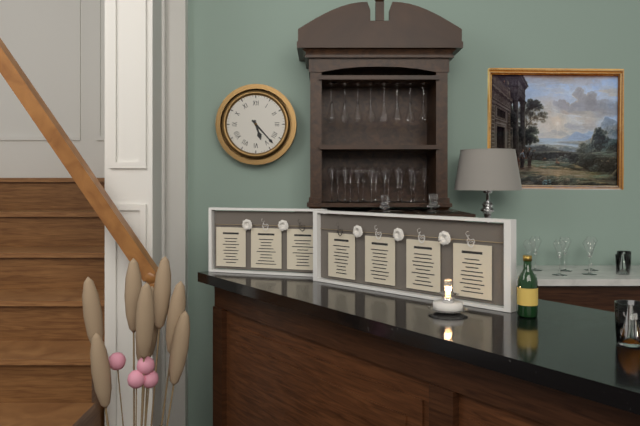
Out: h=5 m=23
